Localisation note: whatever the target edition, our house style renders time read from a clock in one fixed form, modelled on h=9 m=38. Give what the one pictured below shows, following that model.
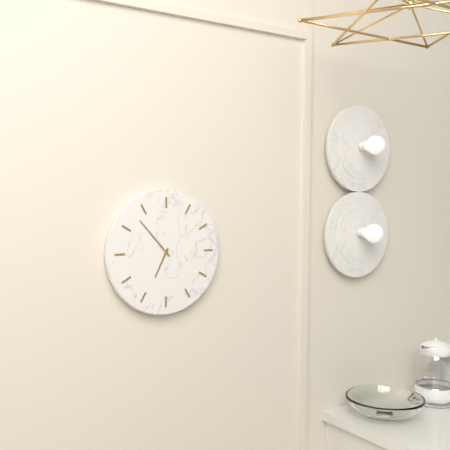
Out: h=6 m=53
